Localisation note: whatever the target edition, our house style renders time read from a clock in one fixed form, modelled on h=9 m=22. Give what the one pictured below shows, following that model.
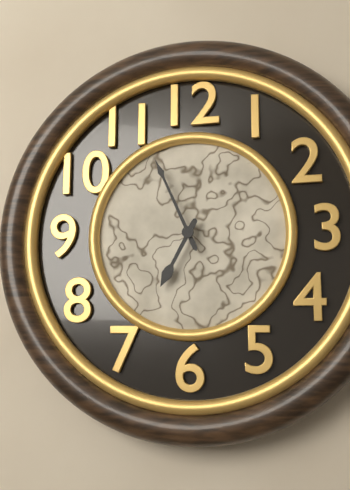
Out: h=6 m=56
